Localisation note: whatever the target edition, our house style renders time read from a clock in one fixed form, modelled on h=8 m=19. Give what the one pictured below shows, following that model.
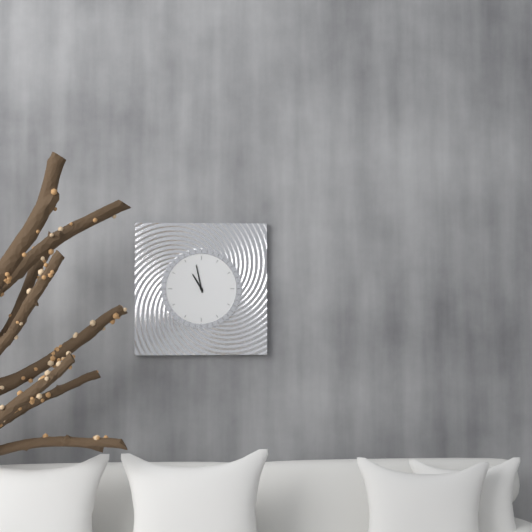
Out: h=10 m=58
